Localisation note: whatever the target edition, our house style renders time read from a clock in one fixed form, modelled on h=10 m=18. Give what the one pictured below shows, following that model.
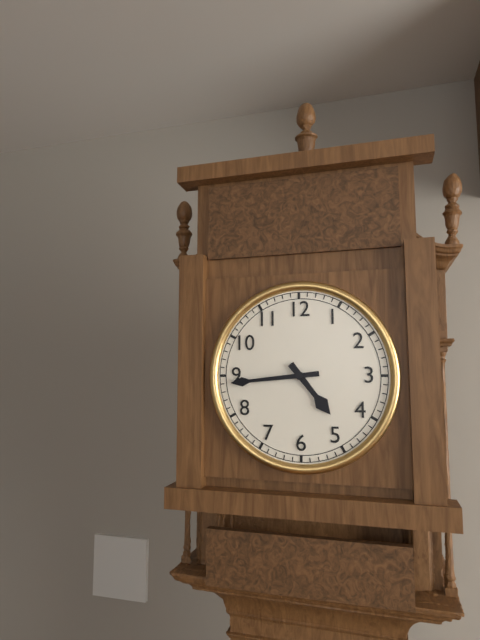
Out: h=4 m=44
